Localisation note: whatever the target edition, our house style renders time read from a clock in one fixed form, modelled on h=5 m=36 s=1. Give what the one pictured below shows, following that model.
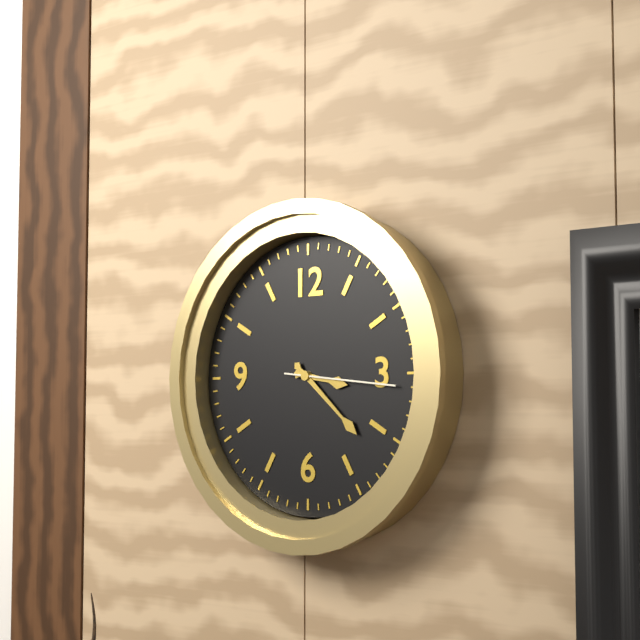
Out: h=3 m=22 s=16
